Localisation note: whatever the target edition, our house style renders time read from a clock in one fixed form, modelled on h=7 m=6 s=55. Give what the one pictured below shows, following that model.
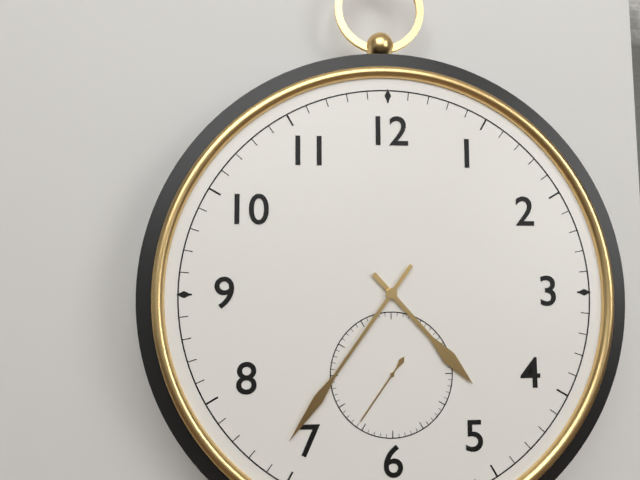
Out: h=4 m=36 s=36
